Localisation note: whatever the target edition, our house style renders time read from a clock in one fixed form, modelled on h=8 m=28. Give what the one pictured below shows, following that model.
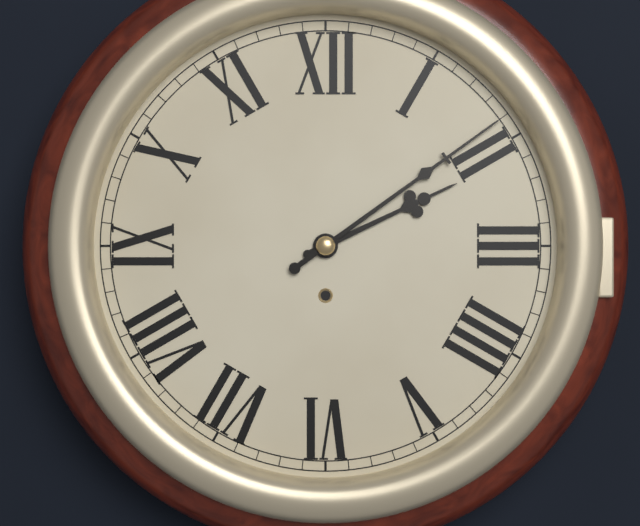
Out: h=2 m=9
